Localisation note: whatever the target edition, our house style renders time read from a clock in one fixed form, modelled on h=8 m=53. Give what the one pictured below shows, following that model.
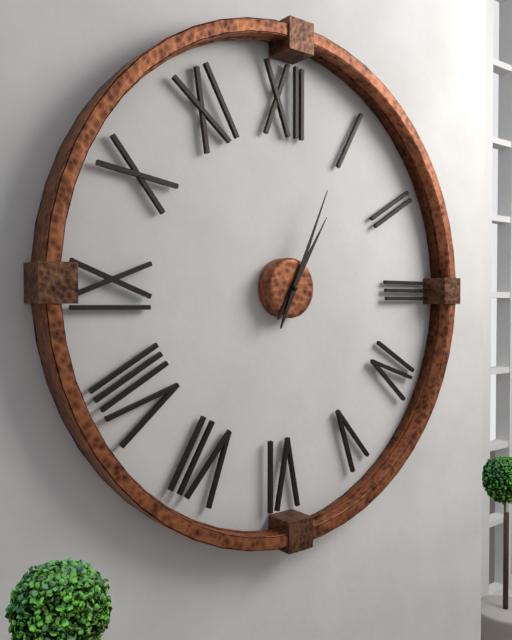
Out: h=1 m=4
